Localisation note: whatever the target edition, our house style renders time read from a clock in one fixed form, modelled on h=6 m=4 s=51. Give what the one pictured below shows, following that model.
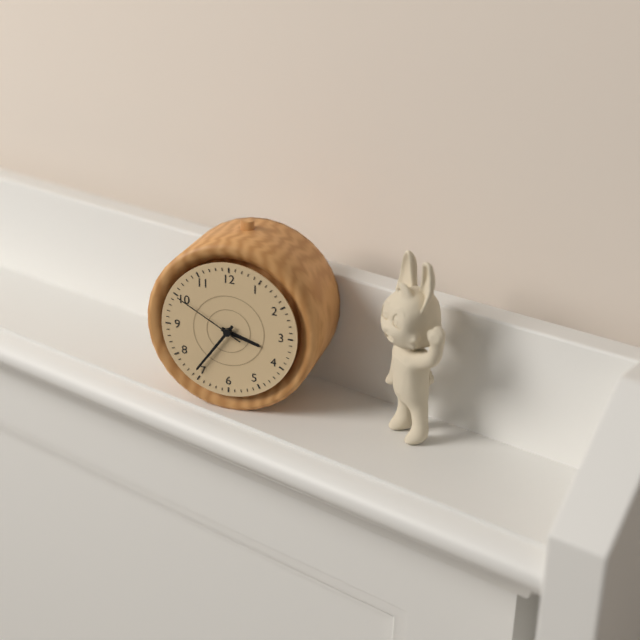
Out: h=3 m=36 s=50
